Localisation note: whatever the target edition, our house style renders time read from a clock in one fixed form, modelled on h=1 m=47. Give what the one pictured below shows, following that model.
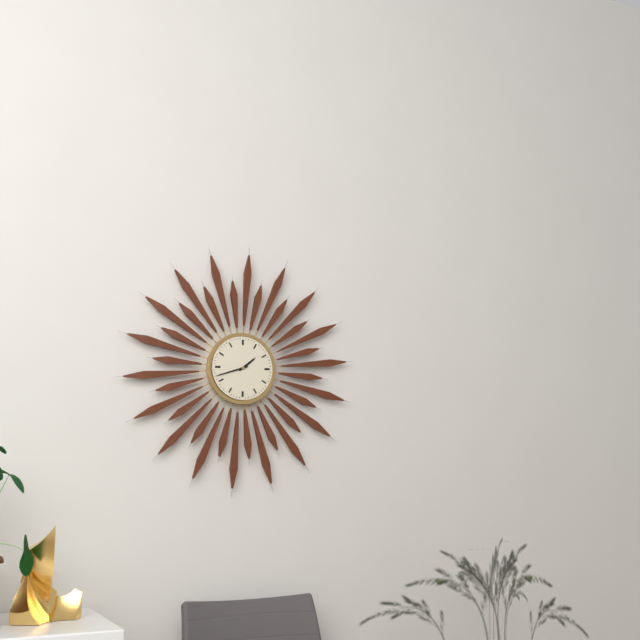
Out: h=1 m=42
